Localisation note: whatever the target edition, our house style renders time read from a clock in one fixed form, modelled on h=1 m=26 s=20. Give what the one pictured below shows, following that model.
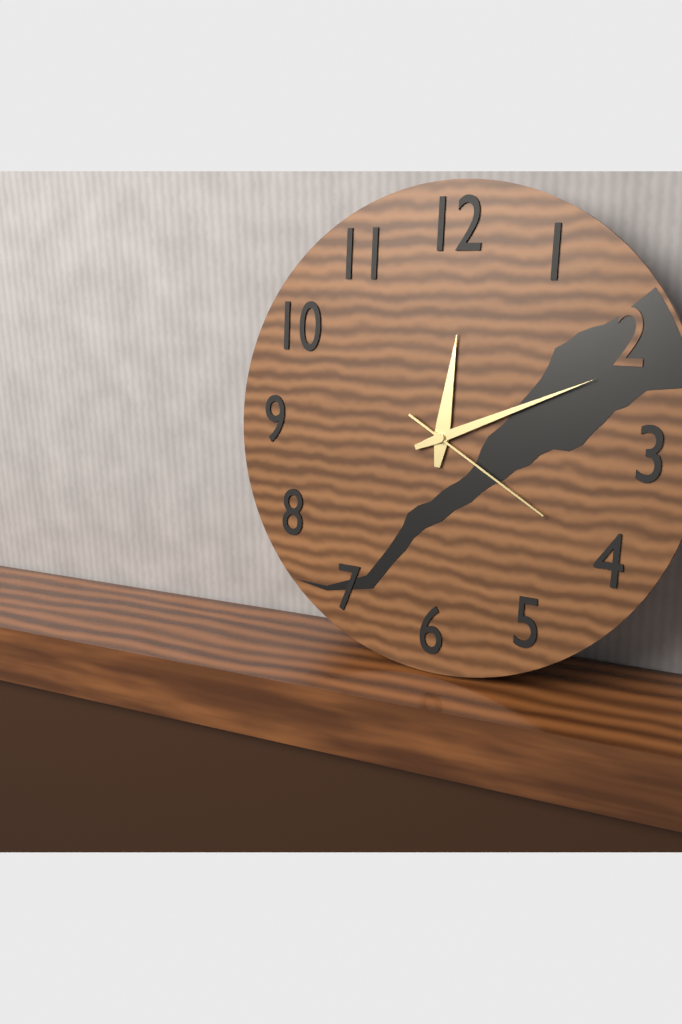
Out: h=12 m=11 s=20
